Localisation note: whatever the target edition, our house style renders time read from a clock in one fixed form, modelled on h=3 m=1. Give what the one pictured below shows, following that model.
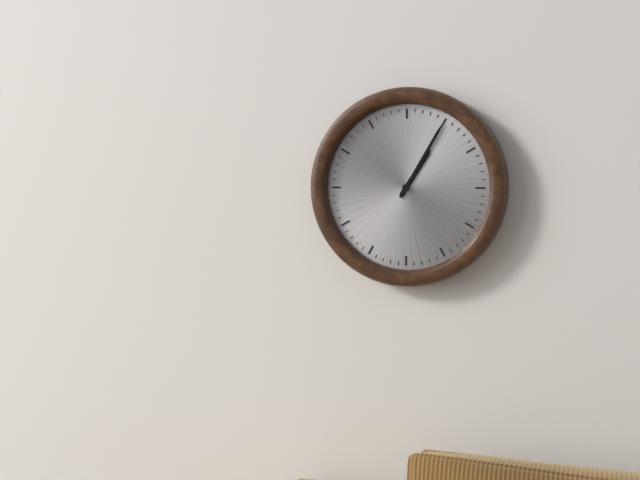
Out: h=1 m=5
